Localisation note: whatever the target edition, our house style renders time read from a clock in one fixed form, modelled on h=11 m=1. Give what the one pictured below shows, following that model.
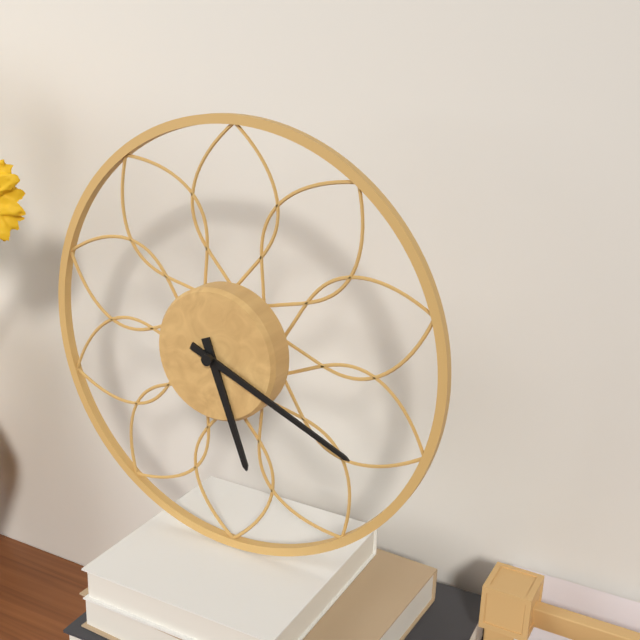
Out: h=5 m=19
